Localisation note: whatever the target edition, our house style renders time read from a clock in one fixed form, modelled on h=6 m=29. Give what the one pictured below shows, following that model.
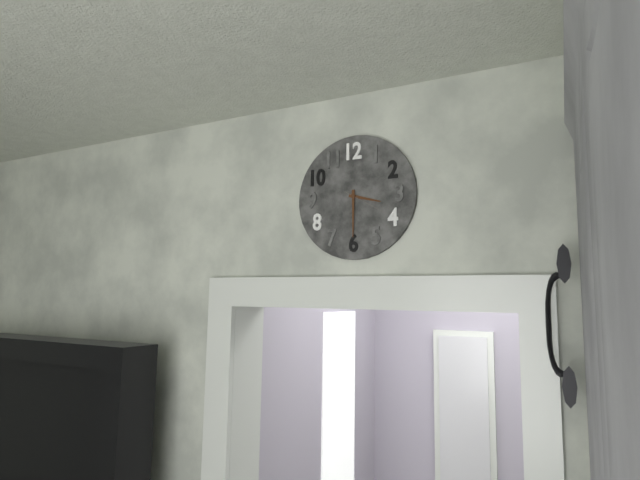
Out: h=3 m=30
